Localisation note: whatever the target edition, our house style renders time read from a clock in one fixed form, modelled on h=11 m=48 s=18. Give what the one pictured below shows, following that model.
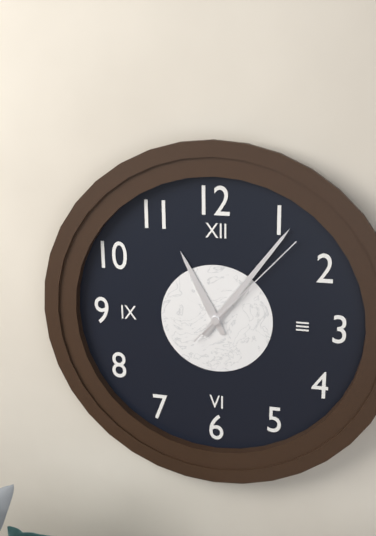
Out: h=11 m=6 s=7
